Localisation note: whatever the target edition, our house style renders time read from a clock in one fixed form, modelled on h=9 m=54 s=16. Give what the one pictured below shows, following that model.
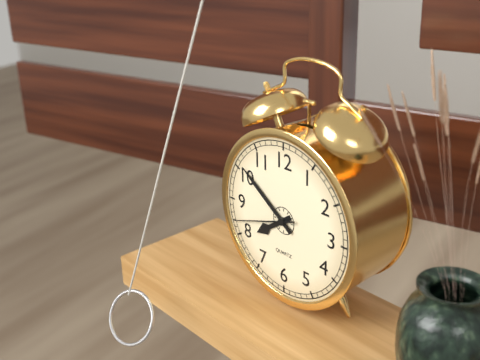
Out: h=7 m=51 s=42
